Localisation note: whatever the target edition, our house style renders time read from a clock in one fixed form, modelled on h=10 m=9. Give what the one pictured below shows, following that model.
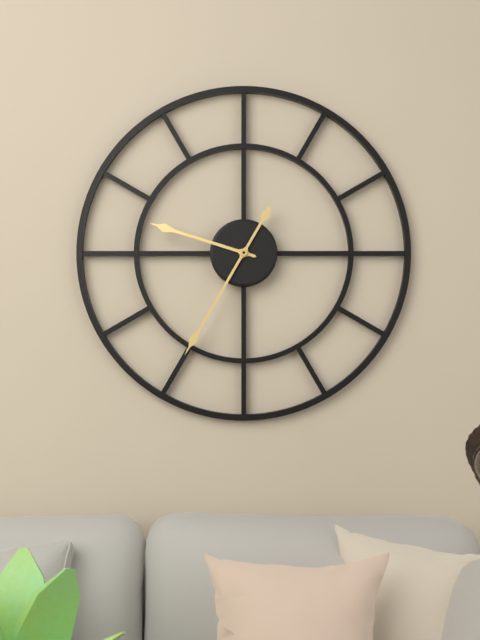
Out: h=9 m=35
